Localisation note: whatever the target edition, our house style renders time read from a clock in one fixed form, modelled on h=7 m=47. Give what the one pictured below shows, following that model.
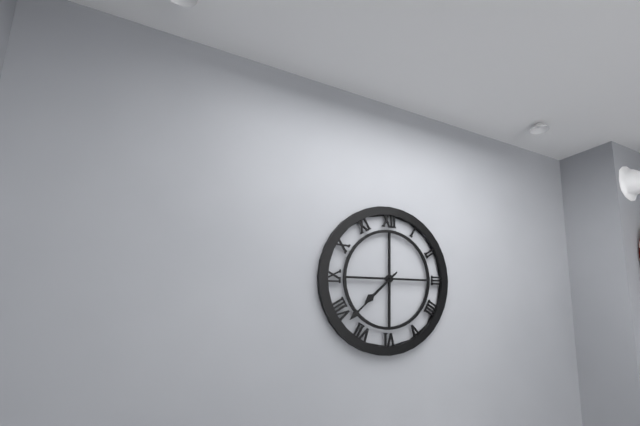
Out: h=7 m=38
